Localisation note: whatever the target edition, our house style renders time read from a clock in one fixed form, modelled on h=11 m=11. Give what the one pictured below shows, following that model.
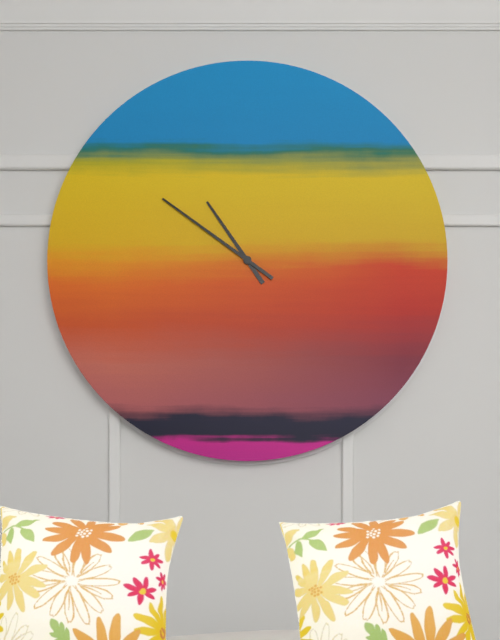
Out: h=10 m=51
